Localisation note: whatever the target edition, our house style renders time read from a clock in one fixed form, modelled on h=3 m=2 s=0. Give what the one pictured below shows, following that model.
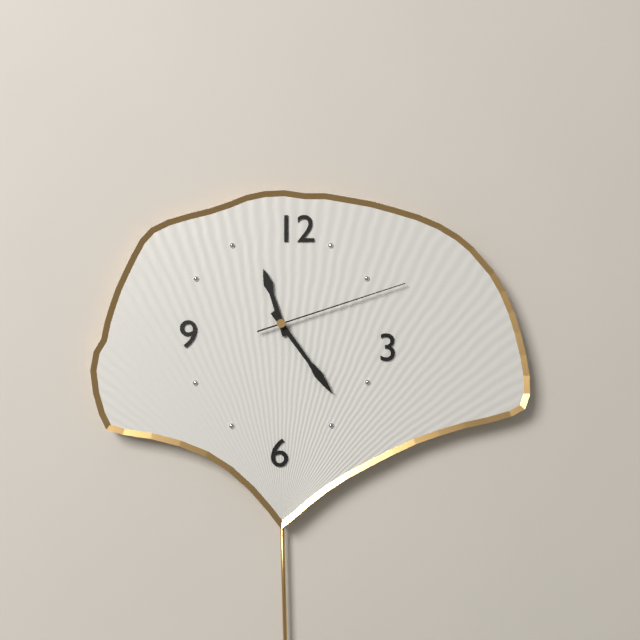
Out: h=11 m=24 s=12
